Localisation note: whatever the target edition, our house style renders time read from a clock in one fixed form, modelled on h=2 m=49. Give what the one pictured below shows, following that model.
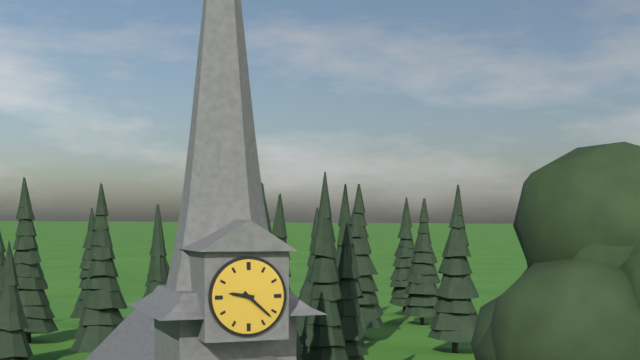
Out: h=9 m=22
